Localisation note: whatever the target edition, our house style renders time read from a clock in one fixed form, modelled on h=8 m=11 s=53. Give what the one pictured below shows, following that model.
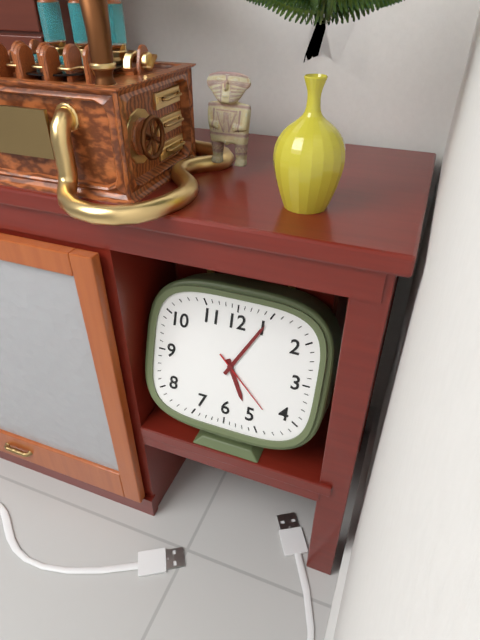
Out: h=5 m=5 s=22
